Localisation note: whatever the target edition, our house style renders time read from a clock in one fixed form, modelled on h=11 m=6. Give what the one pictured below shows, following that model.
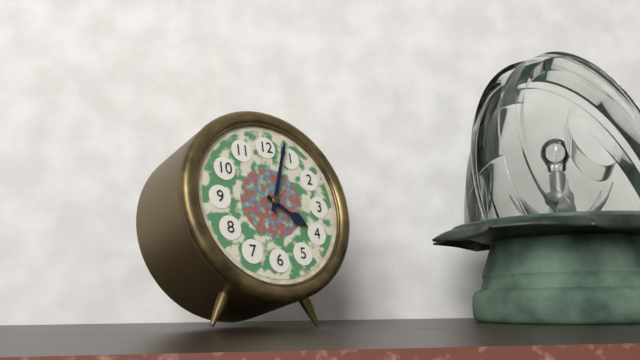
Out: h=4 m=3
